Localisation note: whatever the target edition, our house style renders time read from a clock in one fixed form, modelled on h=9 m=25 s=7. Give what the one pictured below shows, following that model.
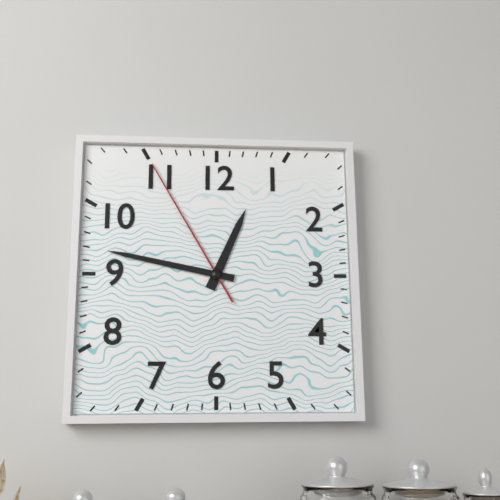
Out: h=12 m=47 s=55
